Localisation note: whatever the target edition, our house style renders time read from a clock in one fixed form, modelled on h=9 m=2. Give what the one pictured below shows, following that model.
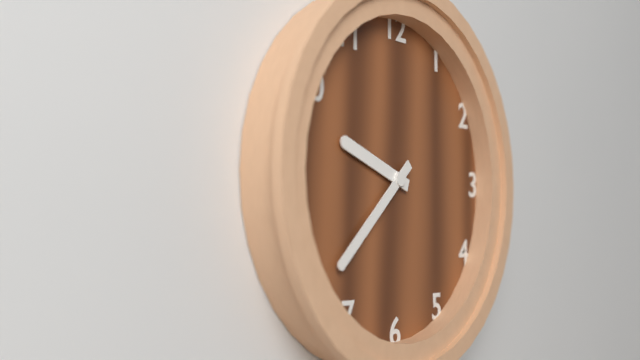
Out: h=9 m=38
